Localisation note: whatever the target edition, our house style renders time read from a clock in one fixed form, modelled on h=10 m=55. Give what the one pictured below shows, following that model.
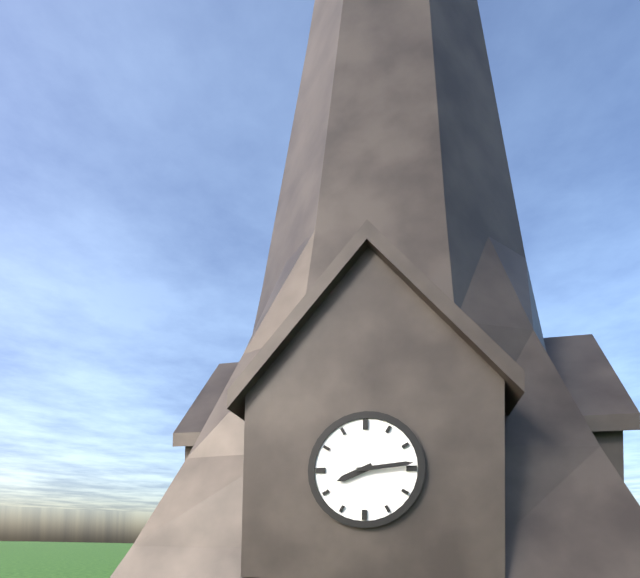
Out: h=8 m=14
